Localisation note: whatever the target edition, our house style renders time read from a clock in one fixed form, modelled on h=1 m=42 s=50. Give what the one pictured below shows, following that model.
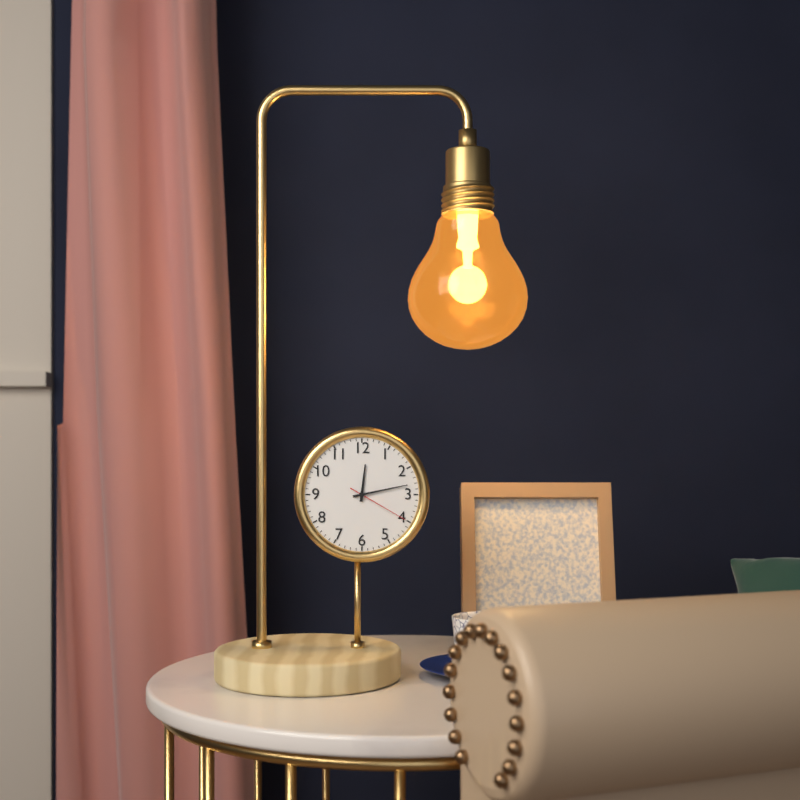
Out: h=12 m=13 s=20
